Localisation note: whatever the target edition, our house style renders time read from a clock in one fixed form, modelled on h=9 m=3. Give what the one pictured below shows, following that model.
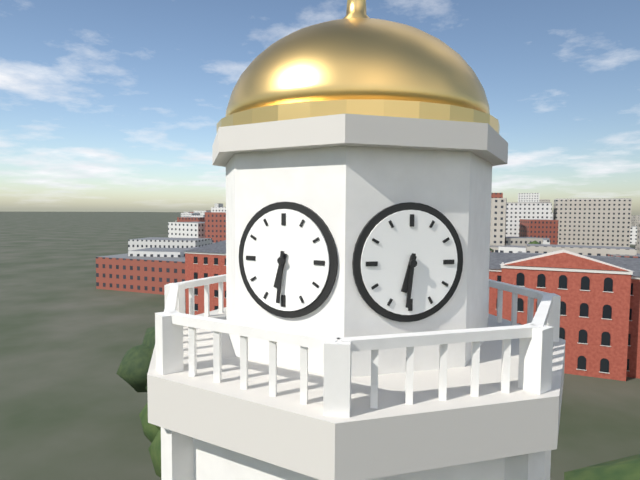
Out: h=6 m=31
